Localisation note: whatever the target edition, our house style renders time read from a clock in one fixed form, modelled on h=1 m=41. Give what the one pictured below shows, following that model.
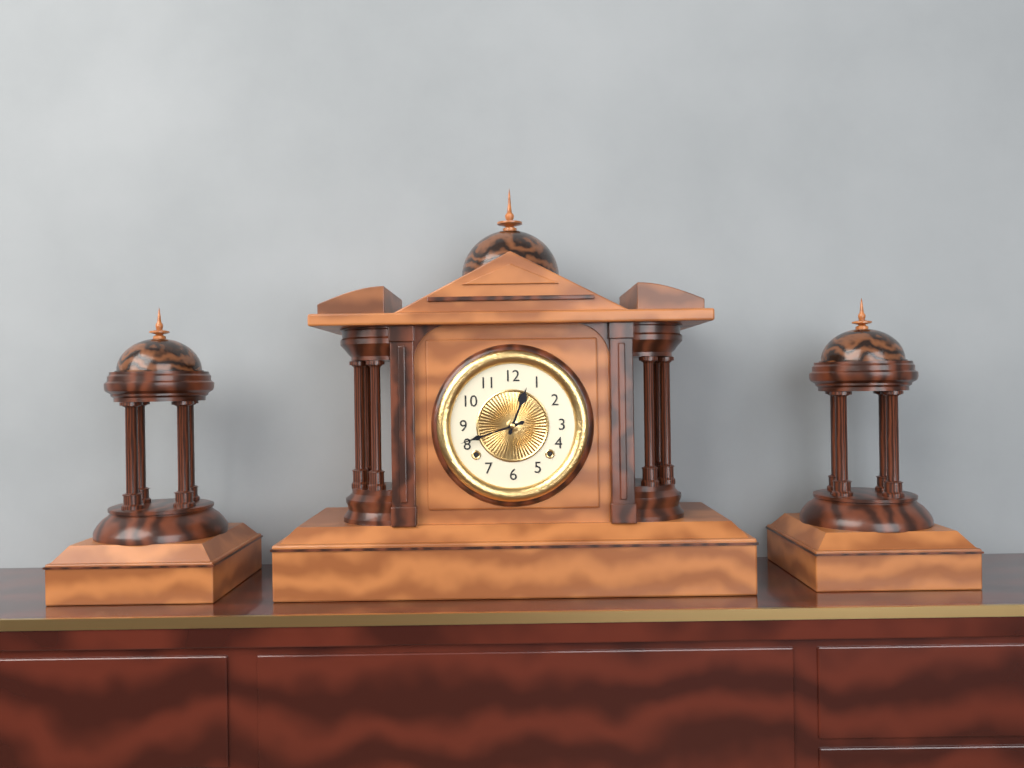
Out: h=12 m=42
